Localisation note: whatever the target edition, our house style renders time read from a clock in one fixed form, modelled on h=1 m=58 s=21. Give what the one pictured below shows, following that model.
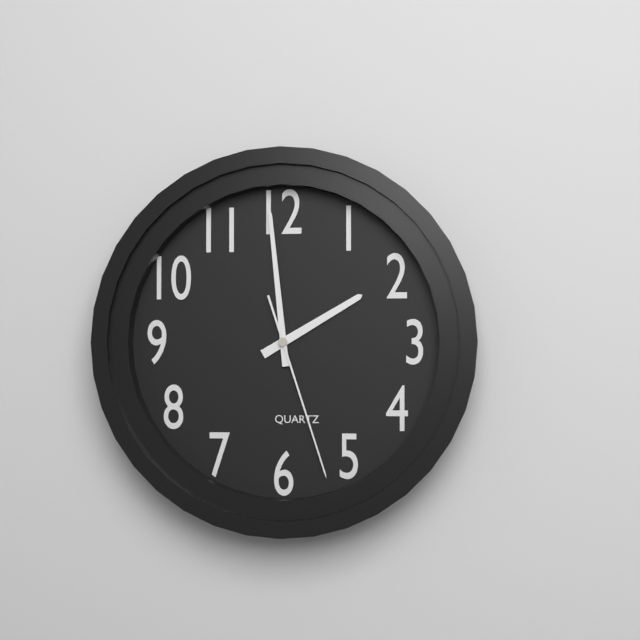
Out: h=1 m=59 s=27
